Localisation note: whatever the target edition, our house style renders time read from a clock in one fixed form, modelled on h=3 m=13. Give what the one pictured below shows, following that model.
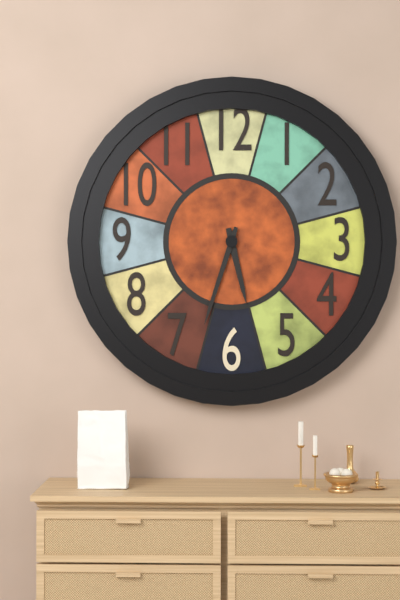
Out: h=5 m=33
